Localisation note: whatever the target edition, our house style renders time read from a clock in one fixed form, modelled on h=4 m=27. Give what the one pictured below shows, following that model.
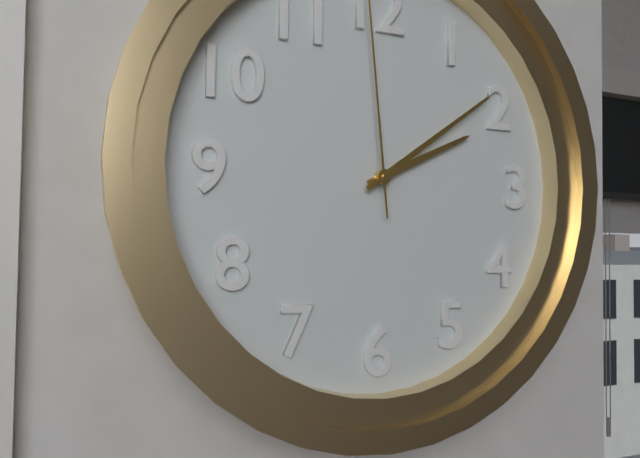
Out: h=2 m=9
